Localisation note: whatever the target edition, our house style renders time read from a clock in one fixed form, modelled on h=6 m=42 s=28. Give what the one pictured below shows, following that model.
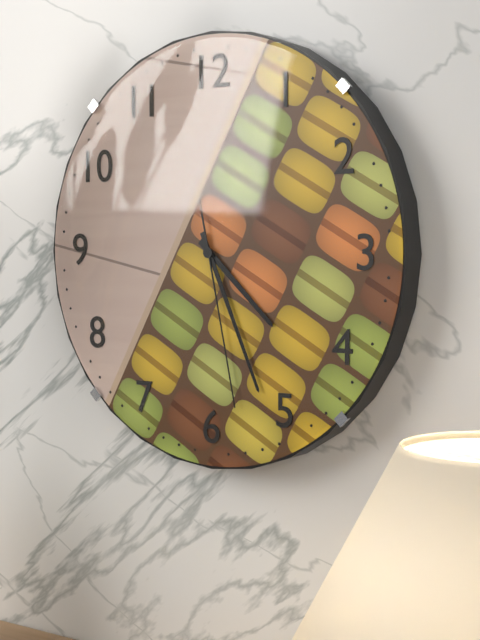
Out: h=4 m=26 s=28
